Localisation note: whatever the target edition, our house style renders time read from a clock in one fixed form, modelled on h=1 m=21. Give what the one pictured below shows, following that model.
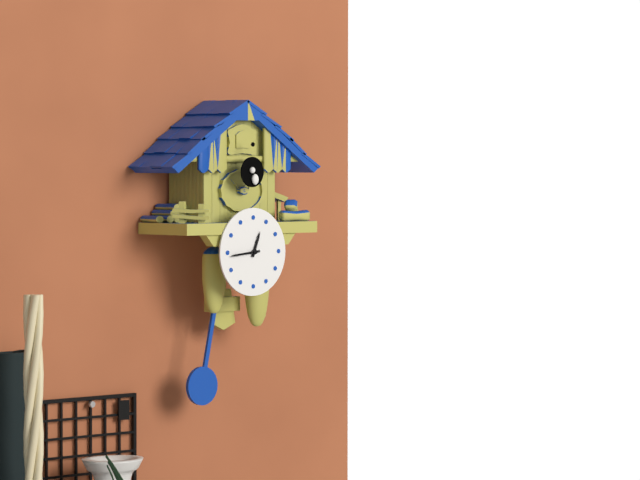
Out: h=12 m=44
